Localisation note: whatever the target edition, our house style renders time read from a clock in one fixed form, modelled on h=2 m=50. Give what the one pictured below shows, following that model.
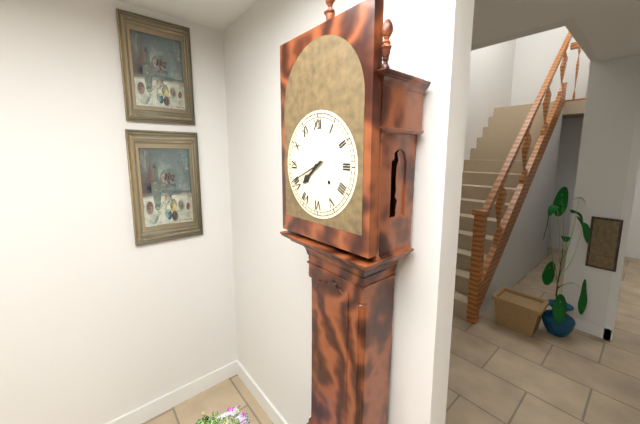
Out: h=7 m=41
